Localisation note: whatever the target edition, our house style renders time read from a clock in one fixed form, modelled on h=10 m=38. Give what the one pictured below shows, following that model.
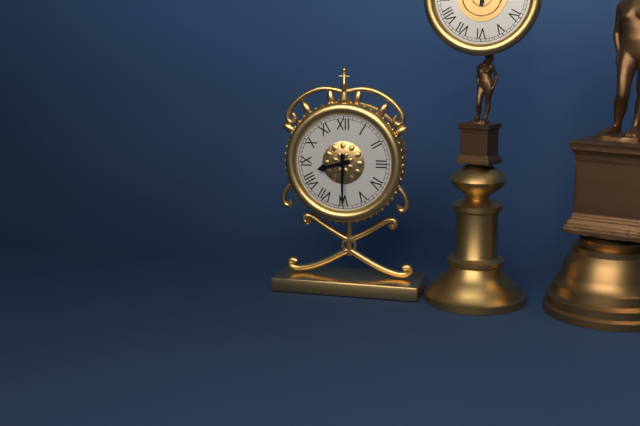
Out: h=8 m=30
